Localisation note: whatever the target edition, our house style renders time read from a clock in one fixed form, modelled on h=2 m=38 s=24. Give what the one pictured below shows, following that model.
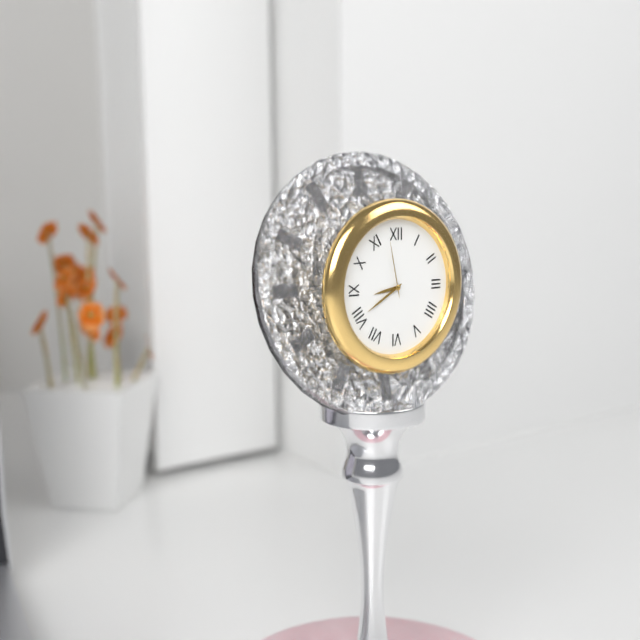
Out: h=8 m=40 s=58
